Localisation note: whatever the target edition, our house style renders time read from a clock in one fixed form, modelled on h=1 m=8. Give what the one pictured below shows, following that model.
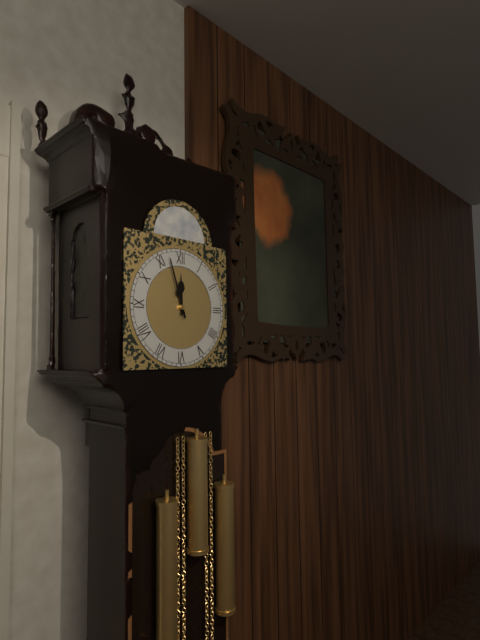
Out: h=11 m=57
